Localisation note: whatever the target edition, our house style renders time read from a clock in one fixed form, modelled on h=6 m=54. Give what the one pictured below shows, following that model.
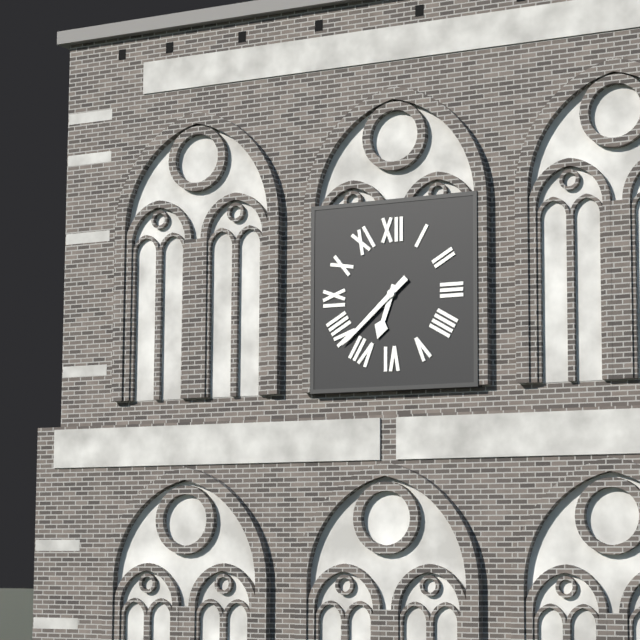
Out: h=6 m=38
